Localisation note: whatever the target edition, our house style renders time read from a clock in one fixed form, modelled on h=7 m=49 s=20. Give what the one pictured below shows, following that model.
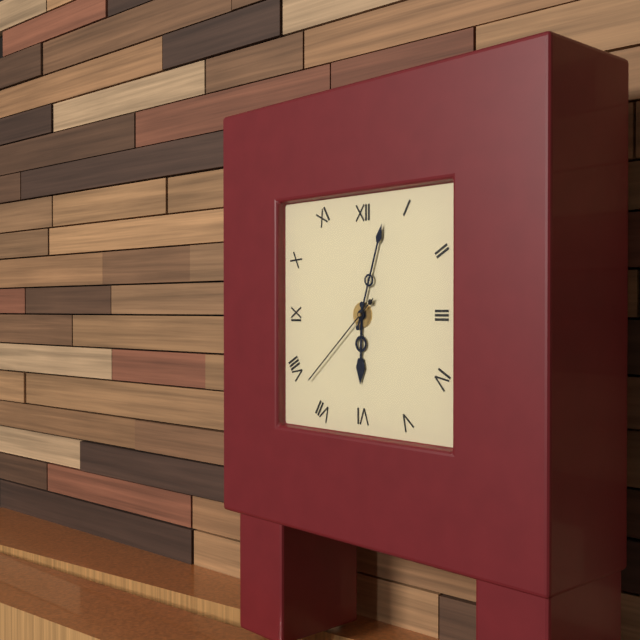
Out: h=6 m=3 s=38
